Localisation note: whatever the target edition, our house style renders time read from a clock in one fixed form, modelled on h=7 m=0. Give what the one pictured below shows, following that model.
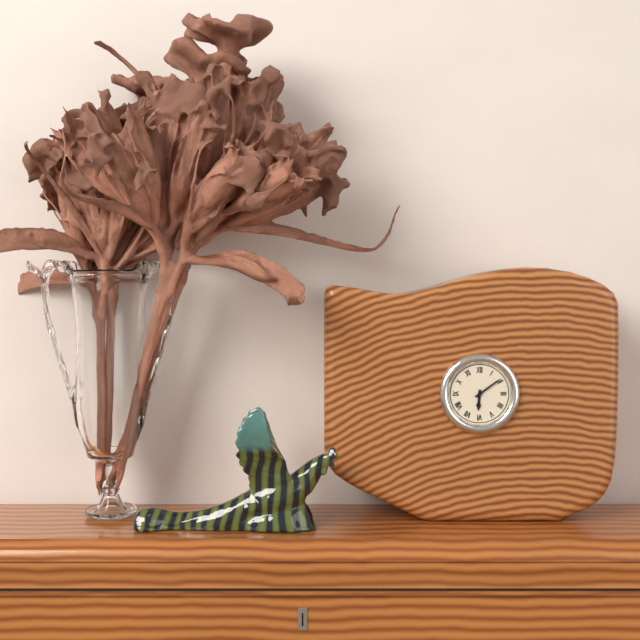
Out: h=6 m=9
